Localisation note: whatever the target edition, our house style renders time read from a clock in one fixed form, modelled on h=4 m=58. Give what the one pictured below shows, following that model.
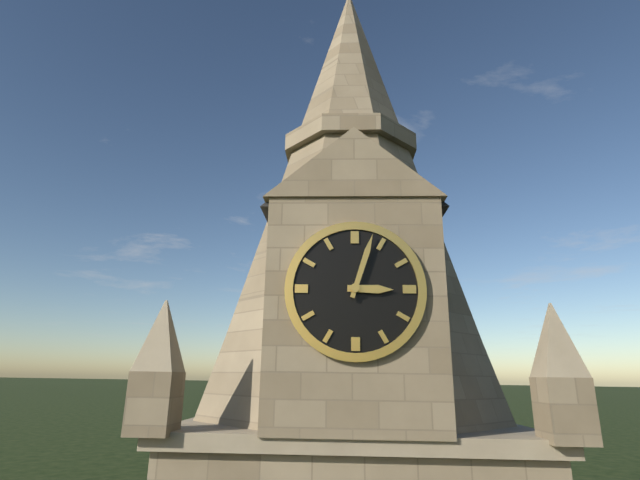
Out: h=3 m=3
